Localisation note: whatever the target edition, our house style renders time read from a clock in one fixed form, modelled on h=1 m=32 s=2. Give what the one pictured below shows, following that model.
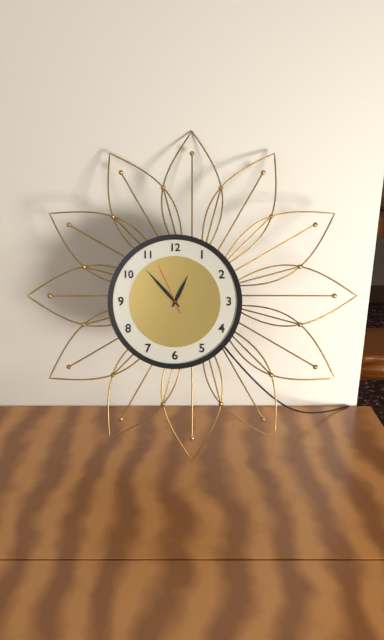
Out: h=12 m=53 s=56
